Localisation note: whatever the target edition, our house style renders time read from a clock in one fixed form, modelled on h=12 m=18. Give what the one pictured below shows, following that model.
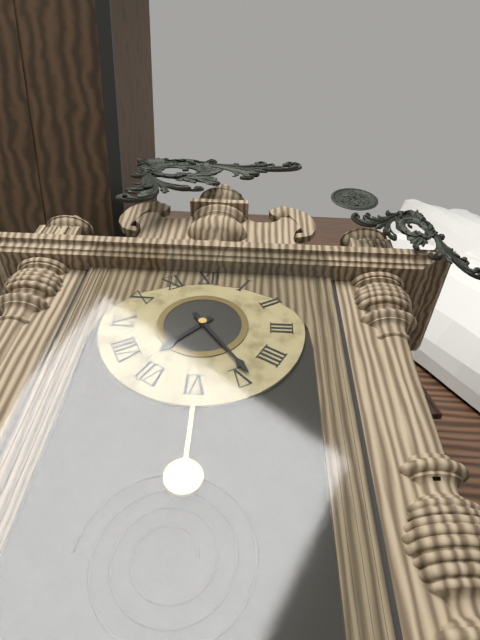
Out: h=7 m=24
